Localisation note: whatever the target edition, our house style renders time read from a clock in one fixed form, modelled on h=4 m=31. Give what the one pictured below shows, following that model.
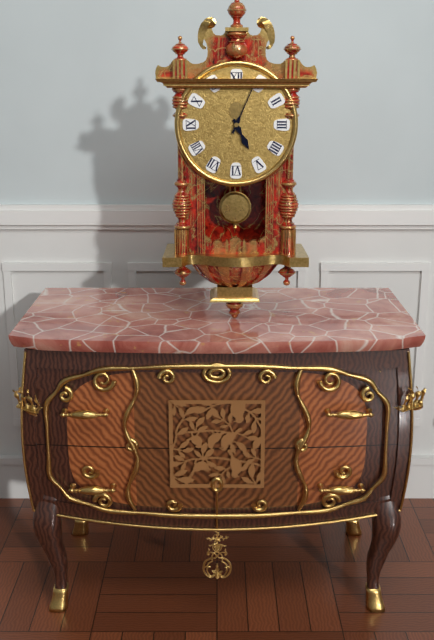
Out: h=5 m=4
